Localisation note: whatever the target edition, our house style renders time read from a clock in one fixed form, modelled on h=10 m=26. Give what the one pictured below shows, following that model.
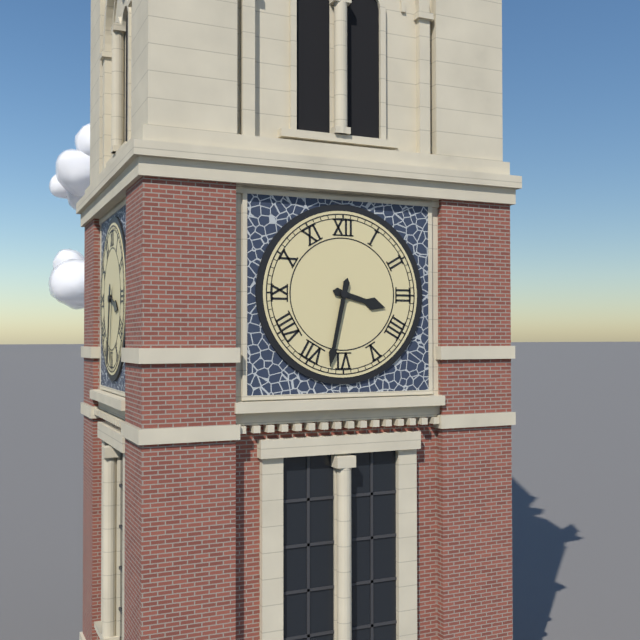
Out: h=3 m=32
